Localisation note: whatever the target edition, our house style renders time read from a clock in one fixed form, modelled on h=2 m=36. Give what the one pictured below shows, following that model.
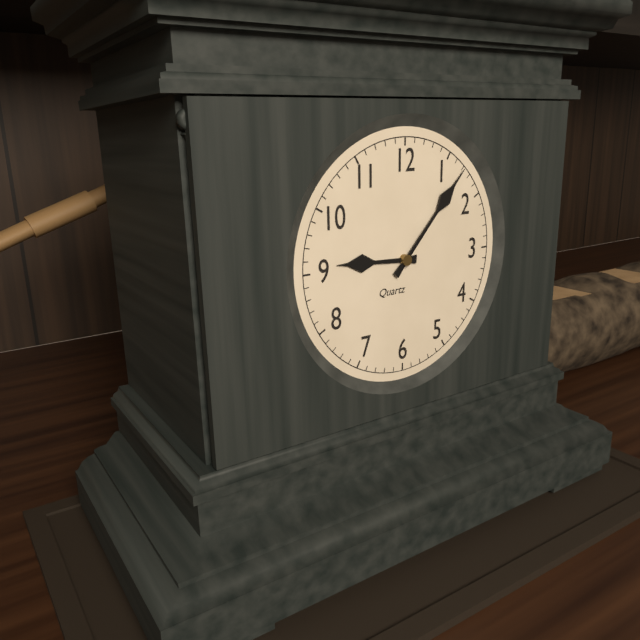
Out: h=9 m=7
